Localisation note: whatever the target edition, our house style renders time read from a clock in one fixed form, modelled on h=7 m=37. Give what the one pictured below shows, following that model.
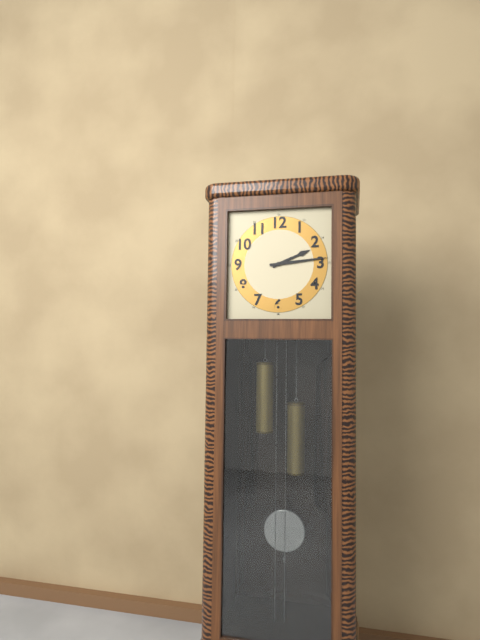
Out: h=2 m=14
